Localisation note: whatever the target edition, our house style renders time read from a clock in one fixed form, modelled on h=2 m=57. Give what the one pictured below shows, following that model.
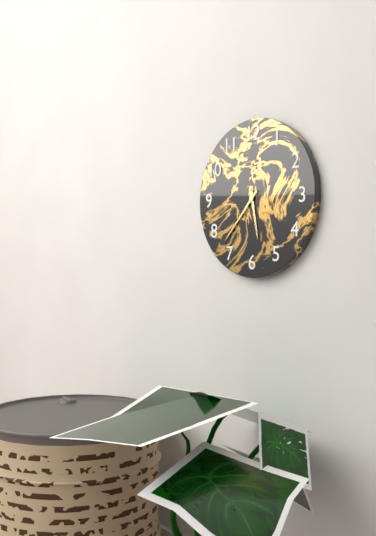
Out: h=5 m=37
